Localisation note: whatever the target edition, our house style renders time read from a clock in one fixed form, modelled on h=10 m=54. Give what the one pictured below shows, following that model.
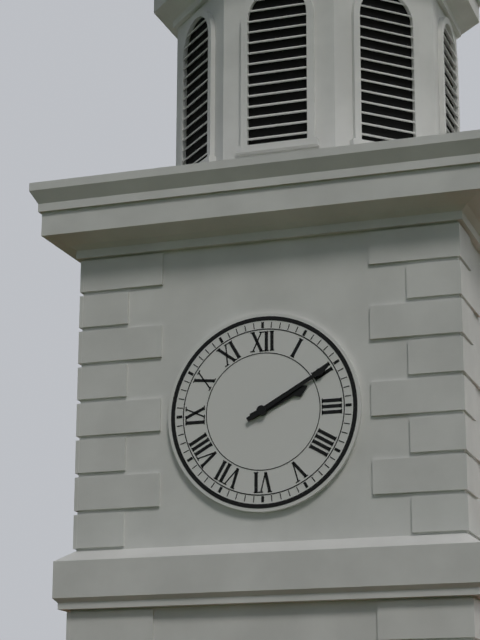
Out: h=2 m=10
